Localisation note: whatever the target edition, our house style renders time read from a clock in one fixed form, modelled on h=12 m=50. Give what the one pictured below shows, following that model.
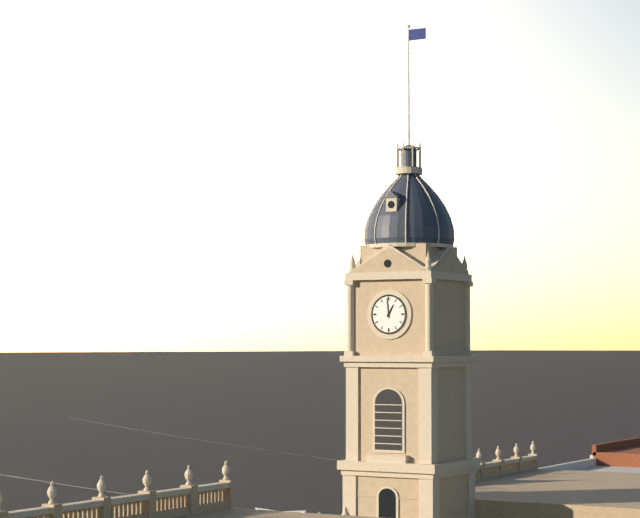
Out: h=12 m=59
